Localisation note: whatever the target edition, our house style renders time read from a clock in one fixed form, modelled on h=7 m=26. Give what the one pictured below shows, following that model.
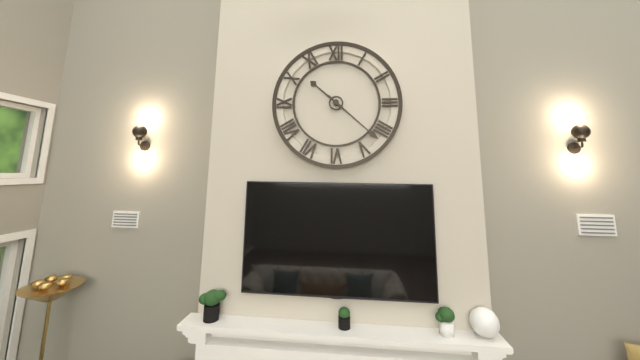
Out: h=10 m=22
